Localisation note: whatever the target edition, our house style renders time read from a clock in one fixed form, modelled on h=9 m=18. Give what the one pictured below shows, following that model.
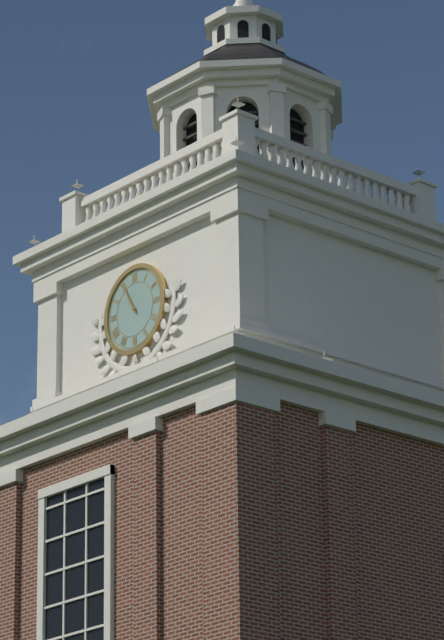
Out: h=10 m=55
